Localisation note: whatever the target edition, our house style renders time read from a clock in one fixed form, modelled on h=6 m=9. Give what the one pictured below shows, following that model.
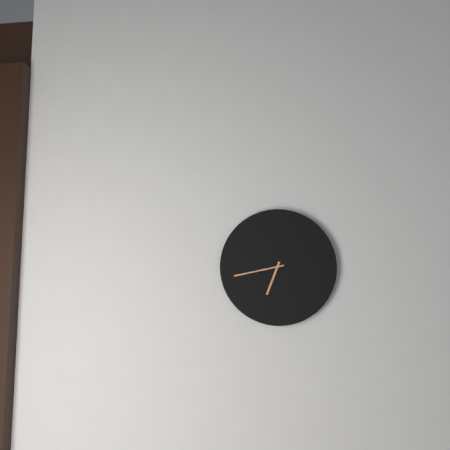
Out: h=6 m=43
